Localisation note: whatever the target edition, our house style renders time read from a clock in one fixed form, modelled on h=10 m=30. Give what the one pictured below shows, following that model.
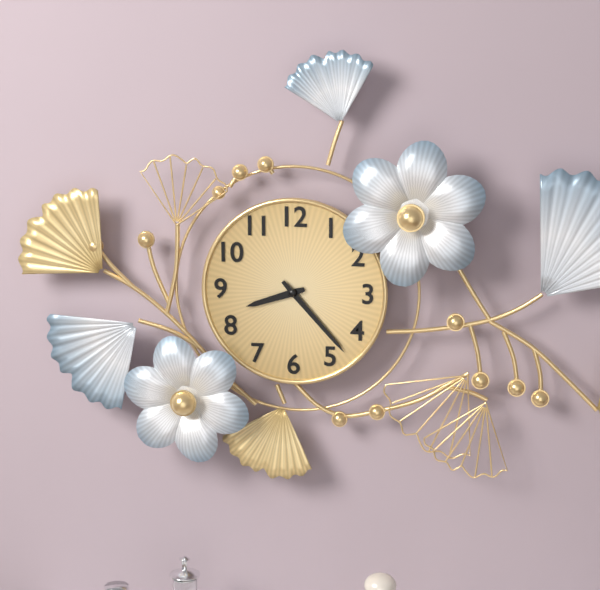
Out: h=8 m=23
